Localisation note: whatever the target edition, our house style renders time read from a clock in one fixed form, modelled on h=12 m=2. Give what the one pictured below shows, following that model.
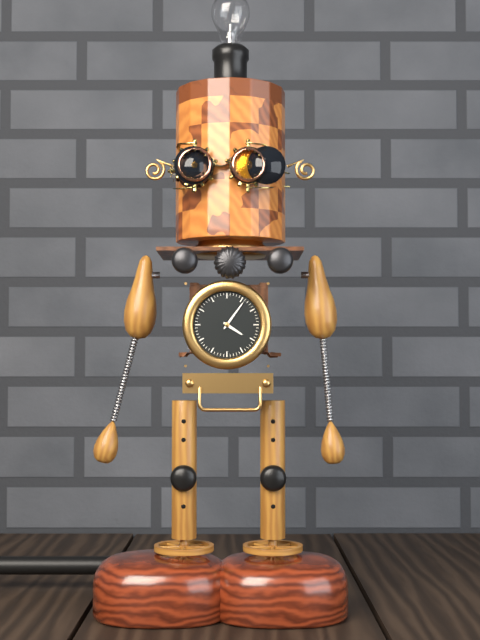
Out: h=4 m=6
